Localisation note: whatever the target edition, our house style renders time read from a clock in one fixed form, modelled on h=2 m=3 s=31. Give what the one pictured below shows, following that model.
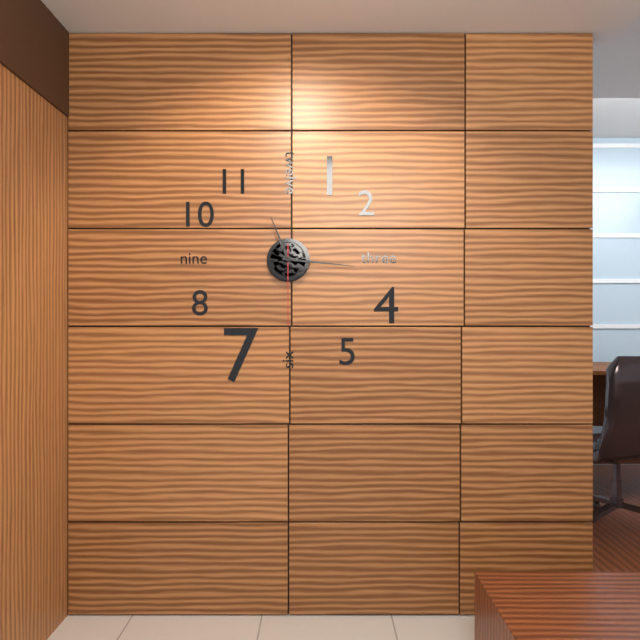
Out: h=11 m=16 s=30
